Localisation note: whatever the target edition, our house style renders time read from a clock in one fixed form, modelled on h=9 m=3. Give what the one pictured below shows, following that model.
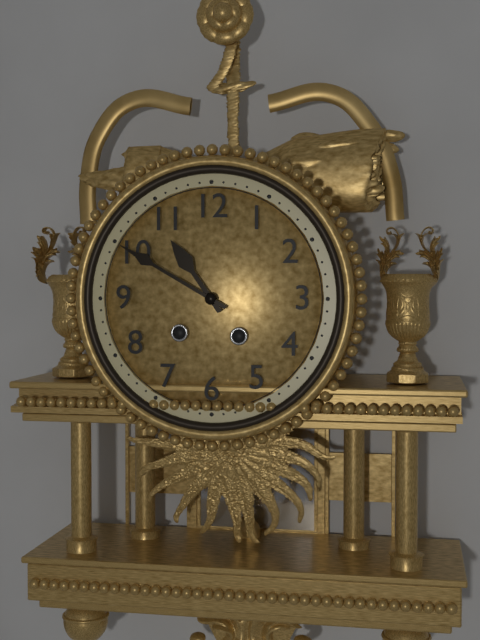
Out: h=10 m=50
